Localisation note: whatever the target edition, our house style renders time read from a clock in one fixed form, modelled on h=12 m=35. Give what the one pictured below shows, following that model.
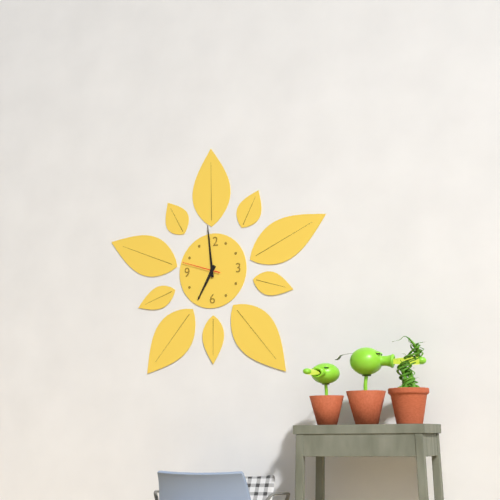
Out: h=6 m=59
